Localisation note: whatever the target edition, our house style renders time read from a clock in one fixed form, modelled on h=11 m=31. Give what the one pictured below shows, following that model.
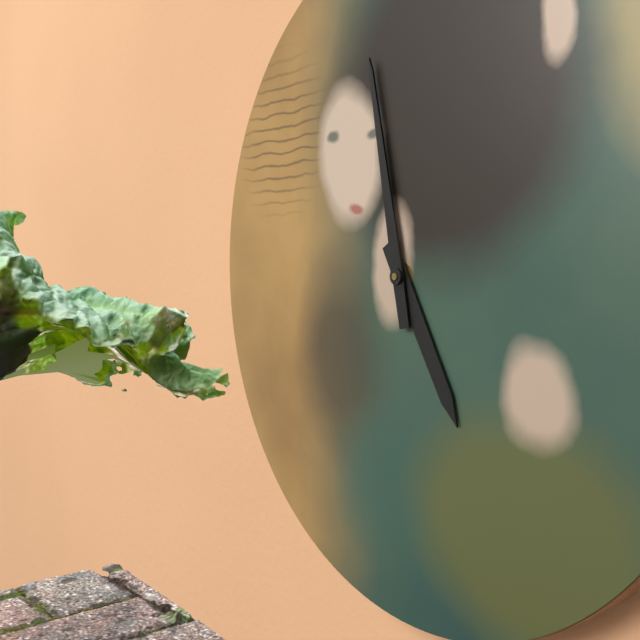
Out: h=4 m=58
